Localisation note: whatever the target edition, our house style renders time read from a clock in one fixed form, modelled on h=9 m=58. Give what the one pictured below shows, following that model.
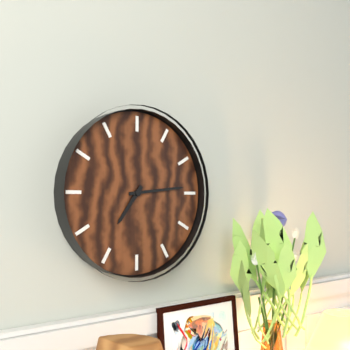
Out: h=7 m=14
